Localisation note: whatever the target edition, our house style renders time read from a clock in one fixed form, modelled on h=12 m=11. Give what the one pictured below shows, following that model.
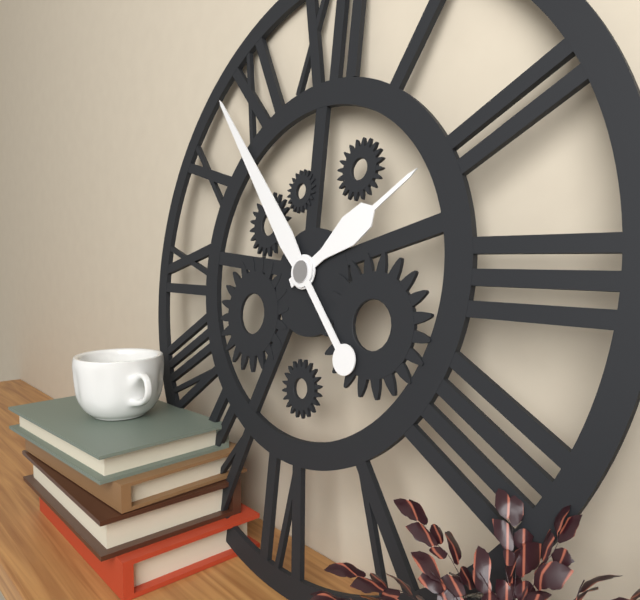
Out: h=1 m=53
